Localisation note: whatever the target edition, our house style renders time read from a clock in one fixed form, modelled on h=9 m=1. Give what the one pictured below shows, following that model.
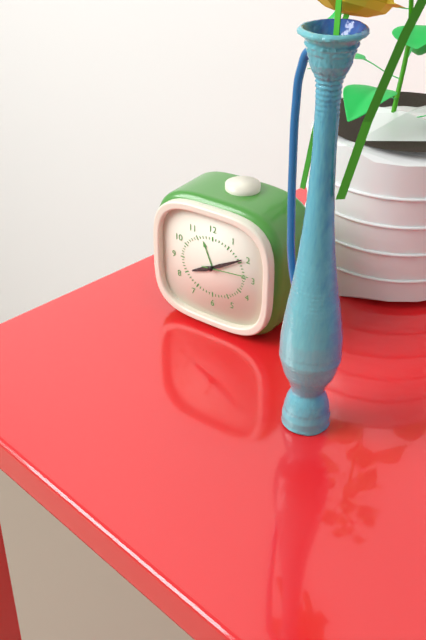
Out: h=8 m=10
